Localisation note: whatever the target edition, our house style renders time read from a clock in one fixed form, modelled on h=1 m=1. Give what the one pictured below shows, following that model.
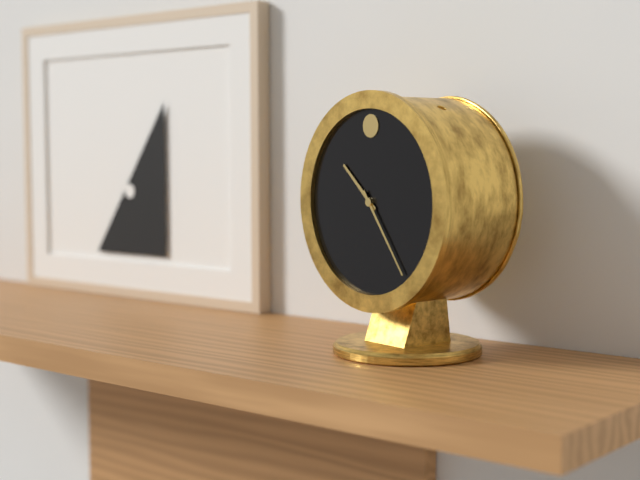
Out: h=10 m=24
